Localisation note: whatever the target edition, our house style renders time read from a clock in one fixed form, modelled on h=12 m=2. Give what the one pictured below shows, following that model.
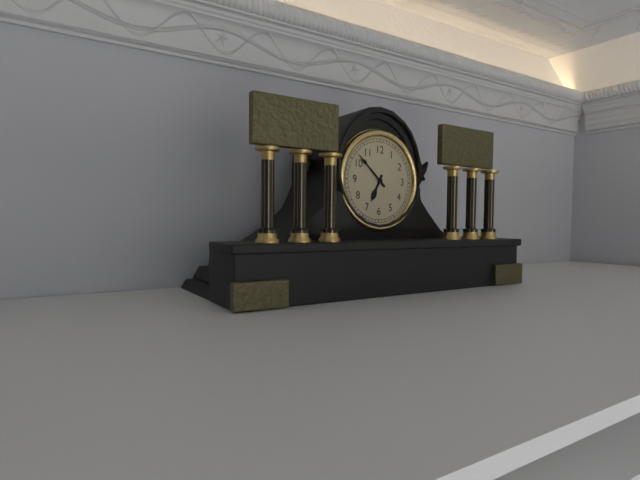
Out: h=6 m=52
